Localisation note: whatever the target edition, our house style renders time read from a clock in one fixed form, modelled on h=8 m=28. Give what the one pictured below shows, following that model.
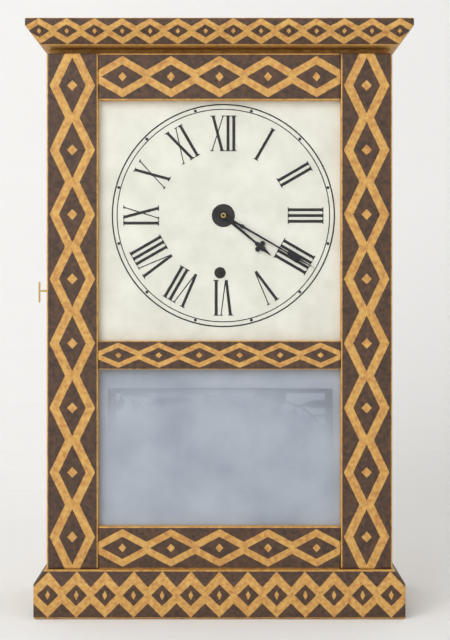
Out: h=4 m=20
